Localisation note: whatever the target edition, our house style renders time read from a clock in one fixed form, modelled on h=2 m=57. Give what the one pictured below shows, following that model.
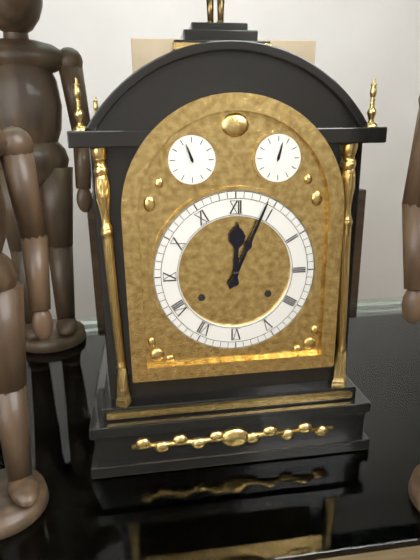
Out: h=12 m=4
